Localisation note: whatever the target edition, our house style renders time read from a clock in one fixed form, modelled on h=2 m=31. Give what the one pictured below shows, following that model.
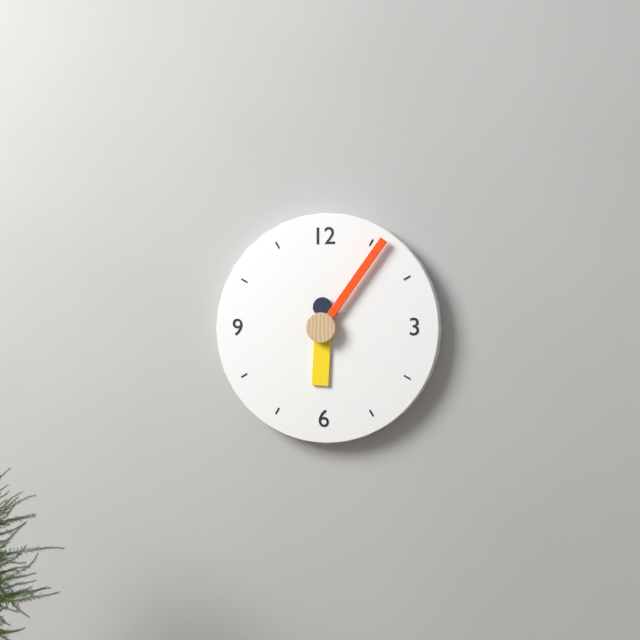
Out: h=6 m=6
